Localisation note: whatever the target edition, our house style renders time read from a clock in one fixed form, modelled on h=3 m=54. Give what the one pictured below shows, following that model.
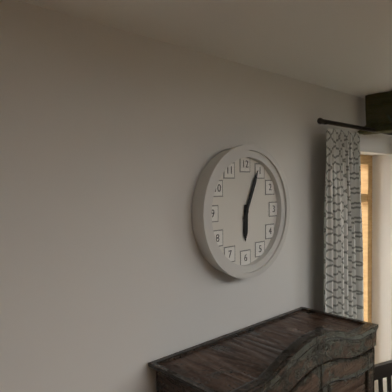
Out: h=6 m=4
